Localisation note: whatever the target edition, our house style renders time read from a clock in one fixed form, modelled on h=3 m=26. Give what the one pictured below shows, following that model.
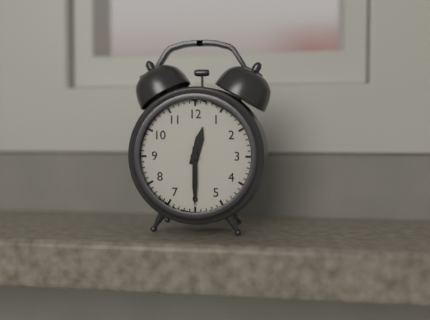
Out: h=12 m=30
